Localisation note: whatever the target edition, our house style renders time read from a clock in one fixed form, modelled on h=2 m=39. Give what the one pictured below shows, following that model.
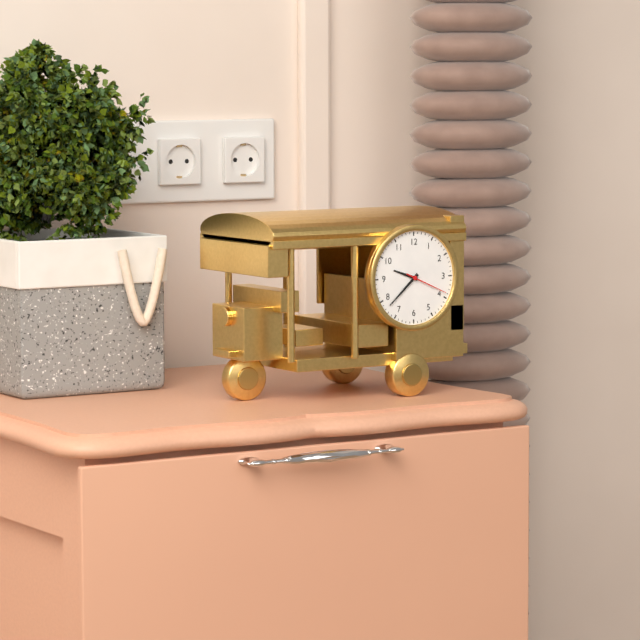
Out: h=9 m=38
